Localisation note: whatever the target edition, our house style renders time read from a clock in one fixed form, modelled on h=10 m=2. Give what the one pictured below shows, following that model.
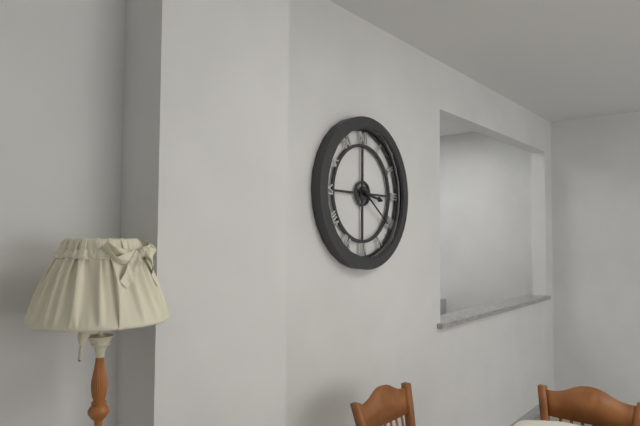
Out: h=3 m=21
